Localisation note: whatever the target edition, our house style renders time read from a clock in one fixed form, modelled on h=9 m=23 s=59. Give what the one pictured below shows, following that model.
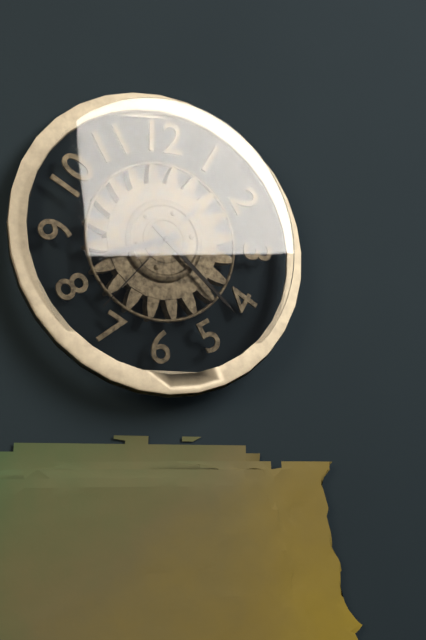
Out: h=8 m=22 s=37
